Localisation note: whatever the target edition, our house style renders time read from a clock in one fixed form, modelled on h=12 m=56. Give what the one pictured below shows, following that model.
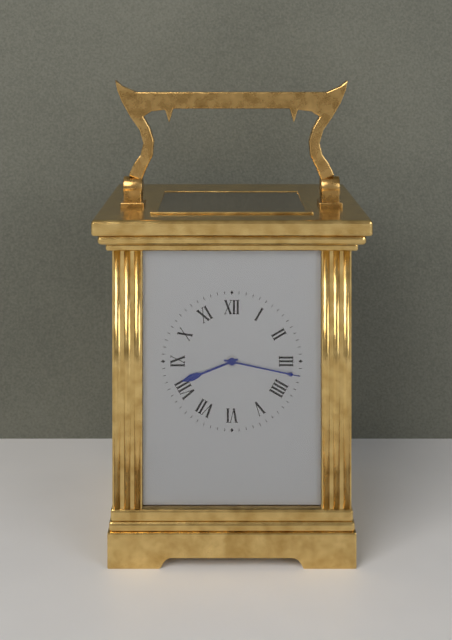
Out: h=8 m=17
